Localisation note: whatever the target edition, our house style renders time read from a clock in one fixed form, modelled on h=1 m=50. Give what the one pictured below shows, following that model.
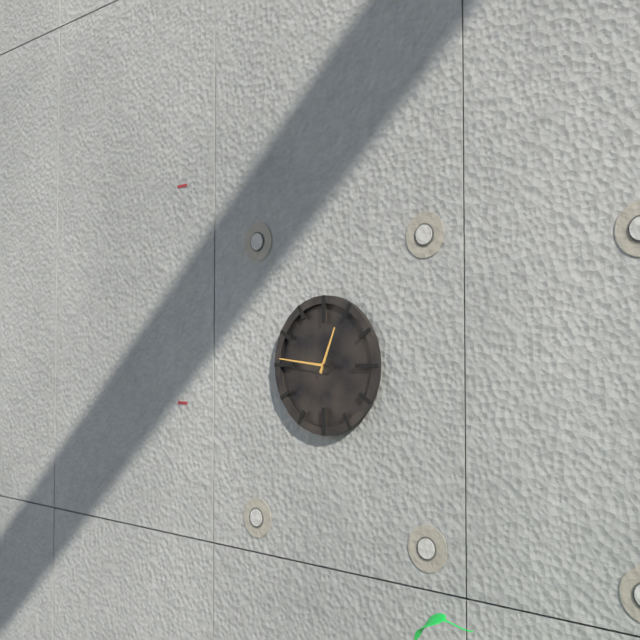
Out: h=12 m=46
